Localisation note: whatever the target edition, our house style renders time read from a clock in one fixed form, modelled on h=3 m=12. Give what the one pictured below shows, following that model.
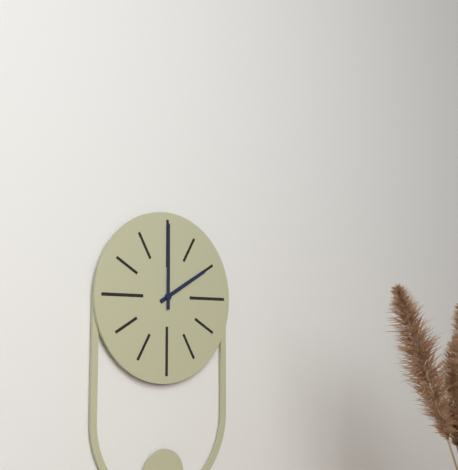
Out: h=2 m=0
